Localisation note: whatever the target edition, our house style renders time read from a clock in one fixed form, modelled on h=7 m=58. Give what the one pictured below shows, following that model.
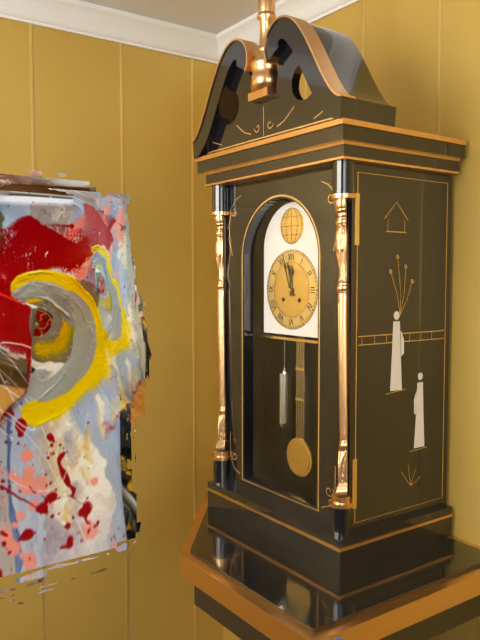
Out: h=11 m=57
